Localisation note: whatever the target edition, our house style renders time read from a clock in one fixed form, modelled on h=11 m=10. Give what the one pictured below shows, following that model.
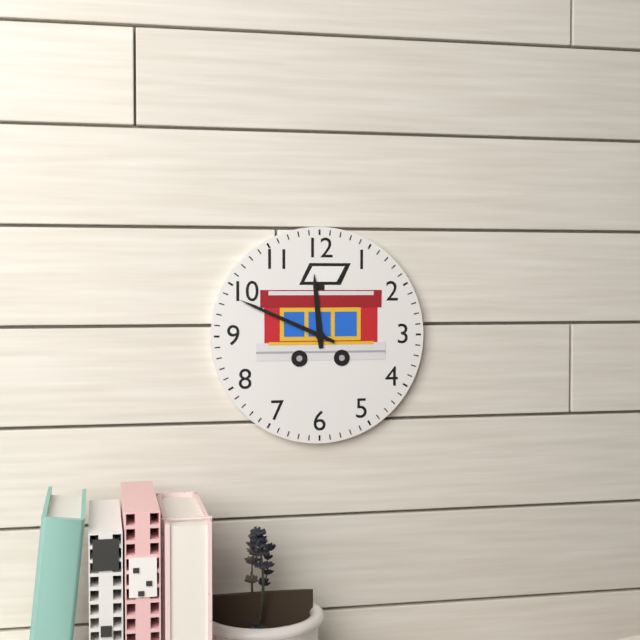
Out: h=11 m=49
